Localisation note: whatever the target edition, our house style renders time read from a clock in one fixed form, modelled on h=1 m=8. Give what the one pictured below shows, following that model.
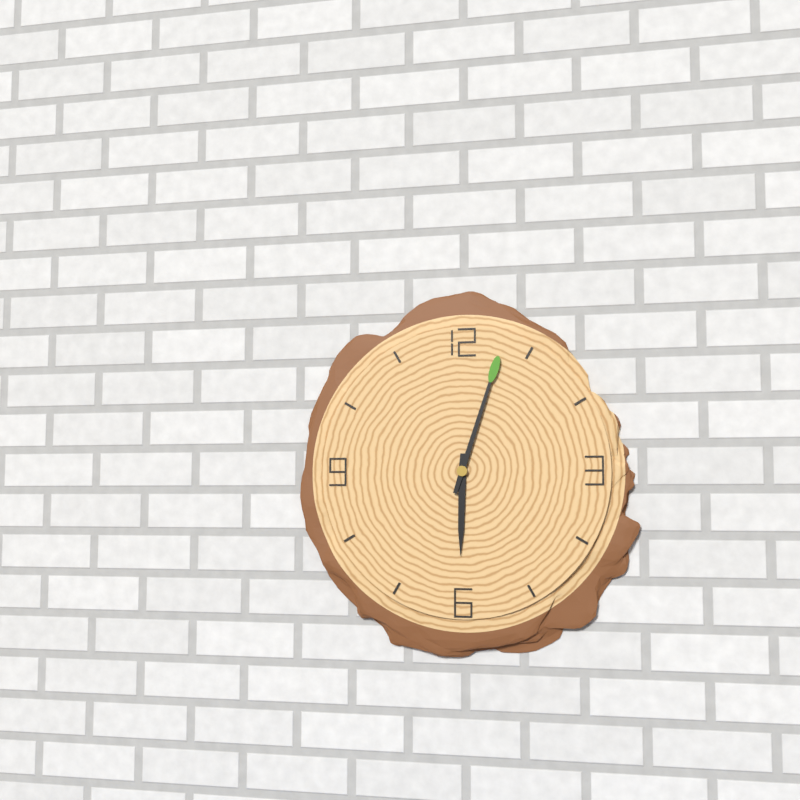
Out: h=6 m=3
